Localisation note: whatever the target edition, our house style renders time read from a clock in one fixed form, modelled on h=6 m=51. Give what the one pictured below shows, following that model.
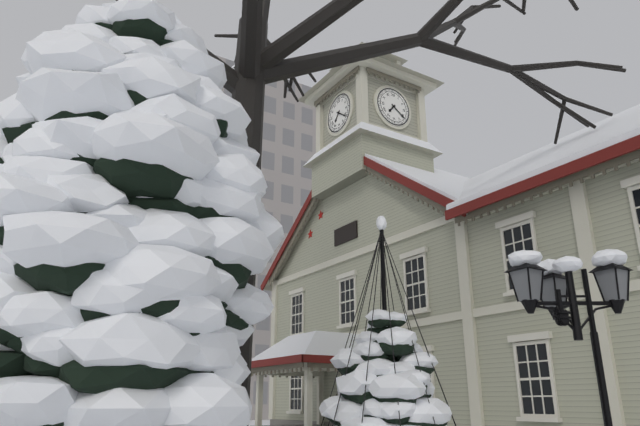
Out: h=7 m=21
